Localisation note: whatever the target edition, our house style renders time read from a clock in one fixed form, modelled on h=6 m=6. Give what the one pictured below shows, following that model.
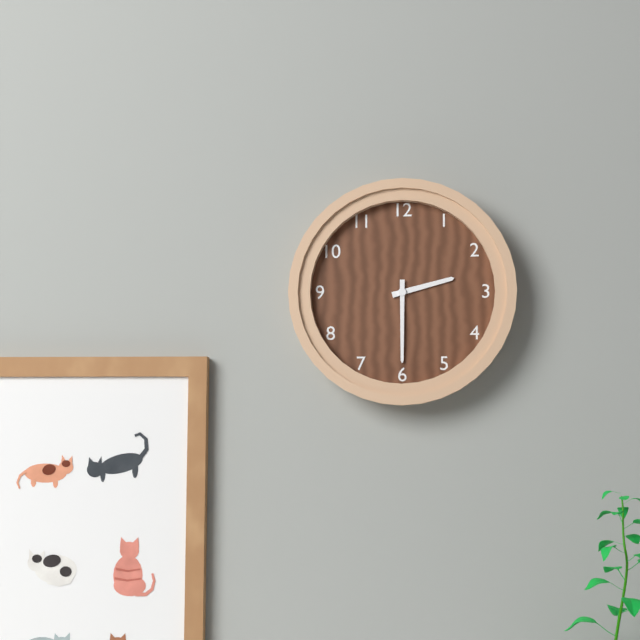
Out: h=2 m=30
